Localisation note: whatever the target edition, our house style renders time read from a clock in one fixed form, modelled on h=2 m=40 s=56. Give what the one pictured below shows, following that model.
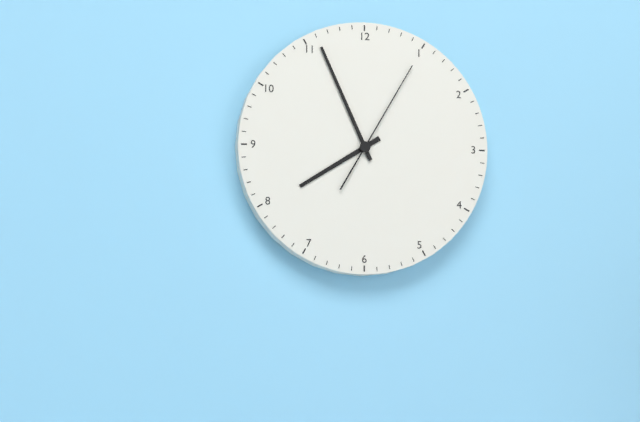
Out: h=7 m=56 s=5
